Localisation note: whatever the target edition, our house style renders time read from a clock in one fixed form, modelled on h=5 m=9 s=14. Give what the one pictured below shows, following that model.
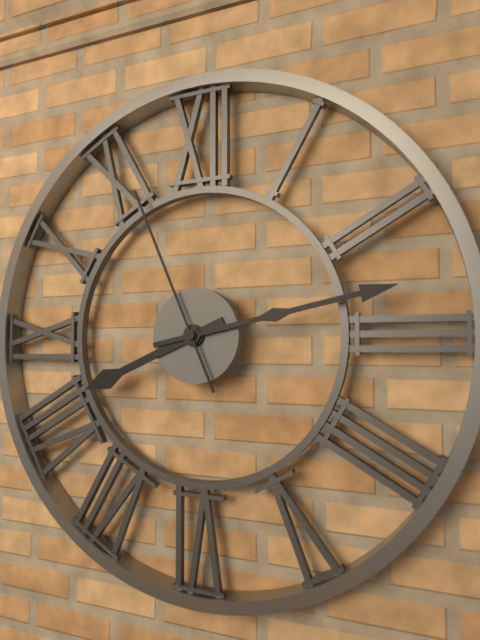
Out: h=8 m=13 s=56
